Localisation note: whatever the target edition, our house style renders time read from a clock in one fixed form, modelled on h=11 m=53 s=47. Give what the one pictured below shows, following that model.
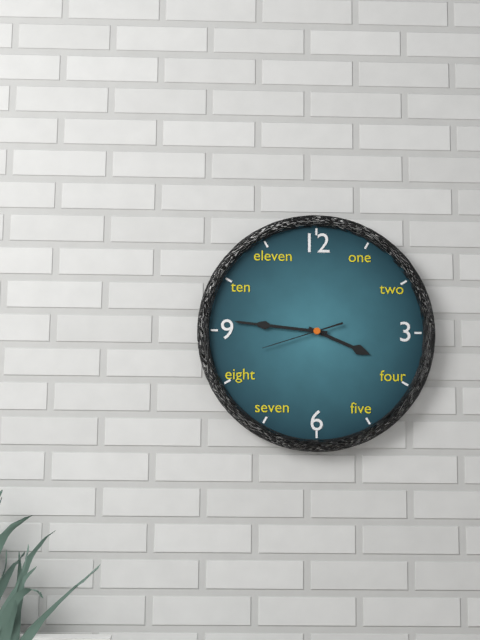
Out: h=3 m=46 s=42
